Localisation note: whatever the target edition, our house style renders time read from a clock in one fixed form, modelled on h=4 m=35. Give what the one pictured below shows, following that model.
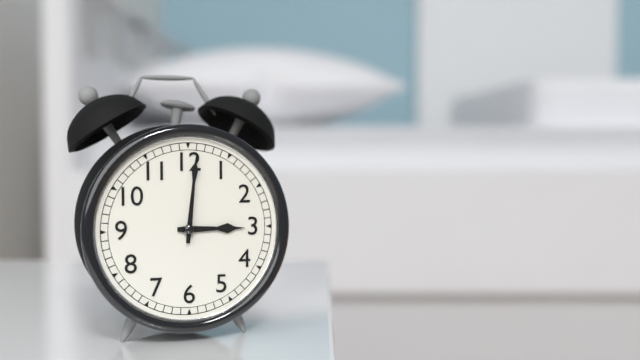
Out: h=3 m=1
